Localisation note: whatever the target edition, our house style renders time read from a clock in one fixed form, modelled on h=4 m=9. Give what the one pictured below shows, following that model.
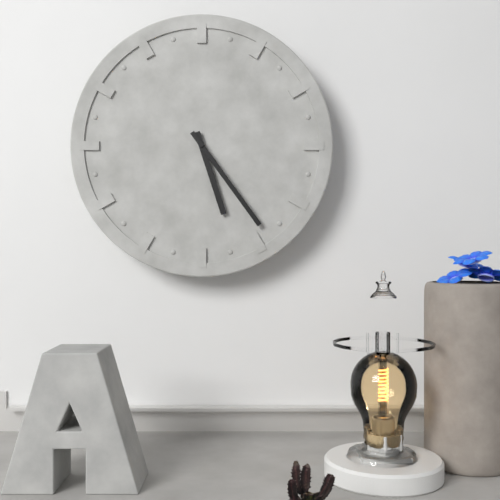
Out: h=5 m=24
